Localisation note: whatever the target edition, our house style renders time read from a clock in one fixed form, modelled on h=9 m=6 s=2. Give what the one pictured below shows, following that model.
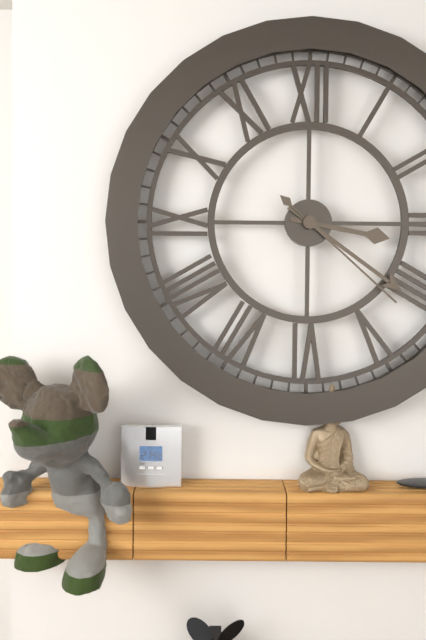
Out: h=3 m=21 s=22
